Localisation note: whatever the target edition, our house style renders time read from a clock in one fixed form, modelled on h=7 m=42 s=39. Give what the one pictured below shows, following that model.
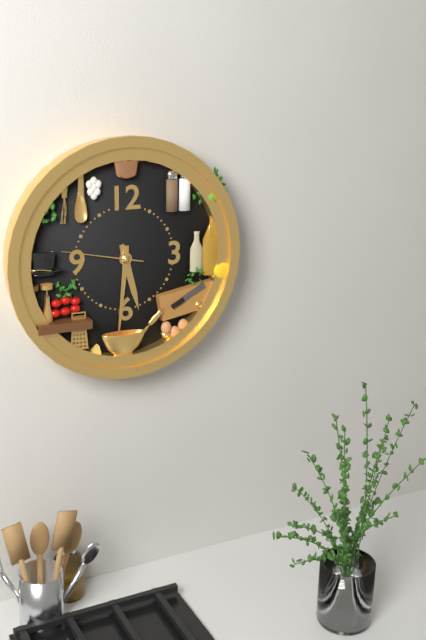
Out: h=5 m=31 s=47
